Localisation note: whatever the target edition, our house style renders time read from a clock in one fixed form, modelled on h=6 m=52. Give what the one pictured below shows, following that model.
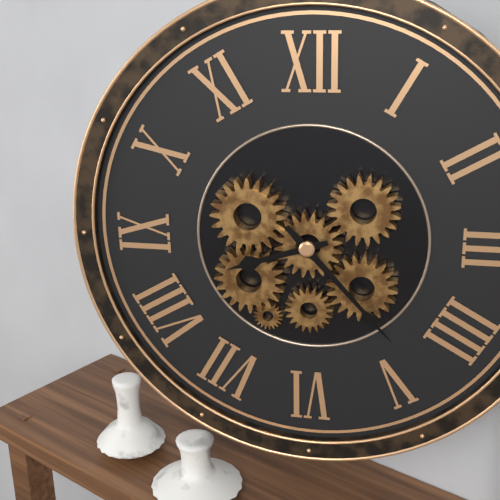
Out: h=8 m=23
